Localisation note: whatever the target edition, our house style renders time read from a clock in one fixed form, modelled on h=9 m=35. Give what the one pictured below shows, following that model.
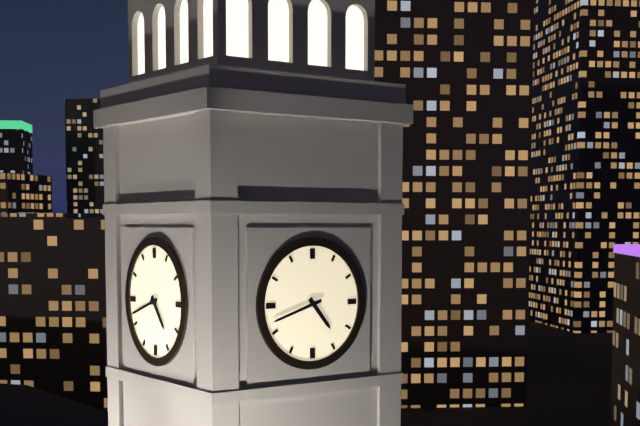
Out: h=4 m=42
